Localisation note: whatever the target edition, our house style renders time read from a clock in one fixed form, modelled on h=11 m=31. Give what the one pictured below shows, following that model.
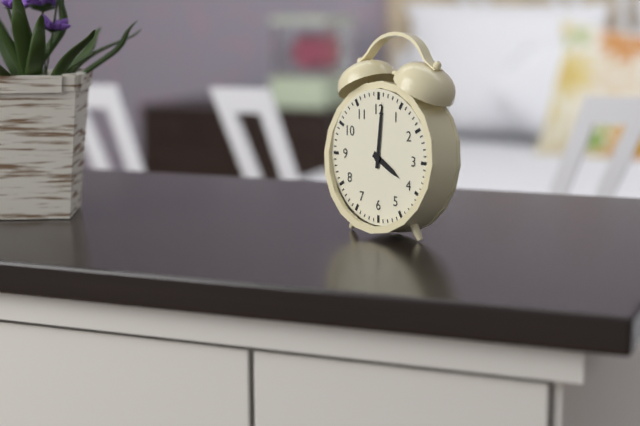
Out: h=4 m=1
